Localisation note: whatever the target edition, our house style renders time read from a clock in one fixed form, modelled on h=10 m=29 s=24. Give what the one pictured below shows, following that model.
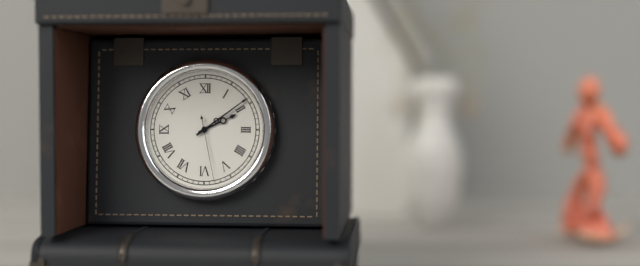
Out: h=2 m=9 s=28
